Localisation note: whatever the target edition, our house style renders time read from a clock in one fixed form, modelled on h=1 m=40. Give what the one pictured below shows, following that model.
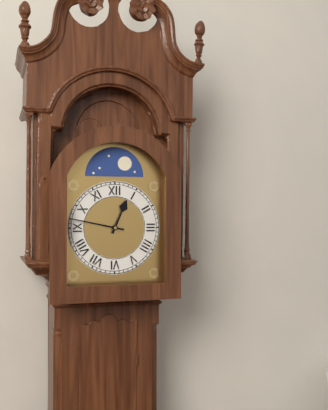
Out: h=12 m=47
